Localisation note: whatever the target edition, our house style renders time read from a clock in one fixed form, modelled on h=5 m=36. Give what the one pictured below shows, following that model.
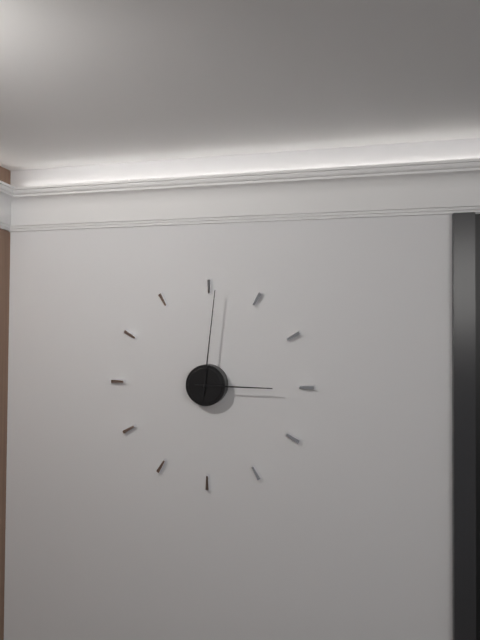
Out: h=3 m=1
